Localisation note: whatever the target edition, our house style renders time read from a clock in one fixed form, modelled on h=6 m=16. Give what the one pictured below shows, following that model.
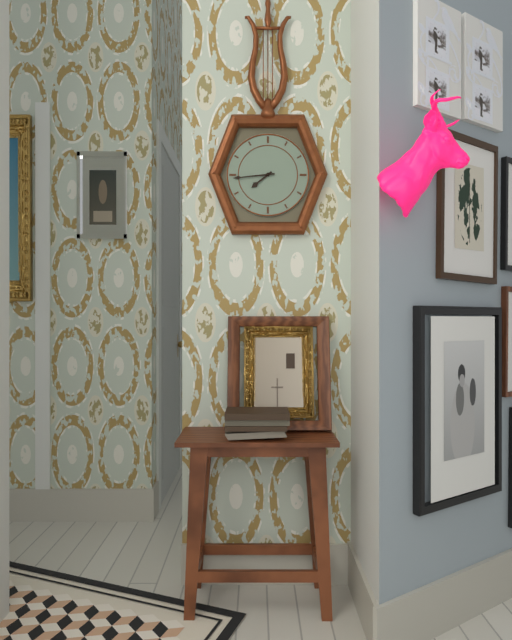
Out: h=7 m=44
